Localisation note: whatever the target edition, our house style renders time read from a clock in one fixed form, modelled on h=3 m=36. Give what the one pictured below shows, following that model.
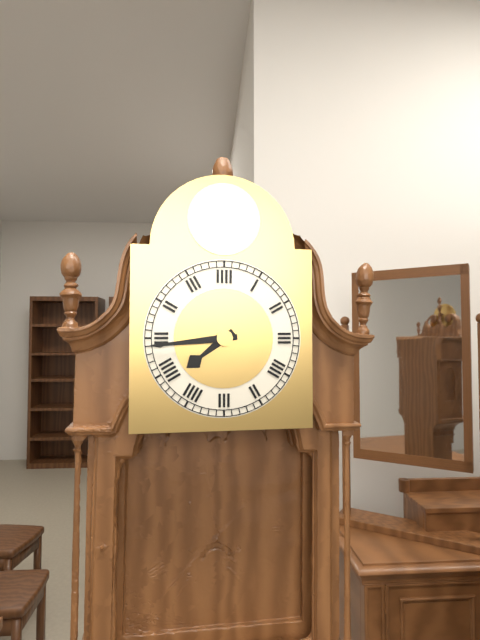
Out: h=7 m=44
